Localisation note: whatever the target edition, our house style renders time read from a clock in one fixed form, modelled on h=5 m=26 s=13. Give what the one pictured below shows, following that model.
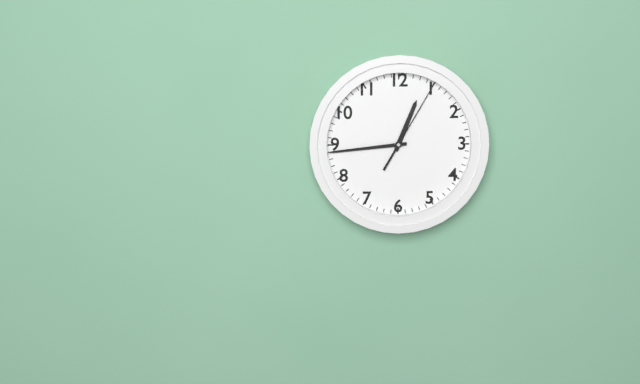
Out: h=12 m=44 s=5
